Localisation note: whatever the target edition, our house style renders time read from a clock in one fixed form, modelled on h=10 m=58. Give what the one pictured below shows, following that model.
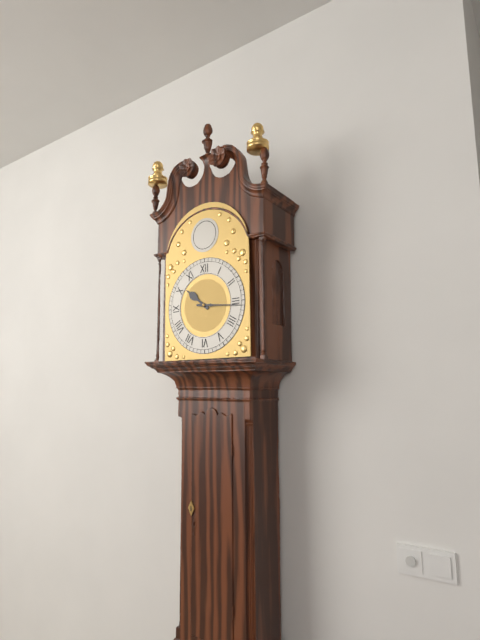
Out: h=10 m=16
